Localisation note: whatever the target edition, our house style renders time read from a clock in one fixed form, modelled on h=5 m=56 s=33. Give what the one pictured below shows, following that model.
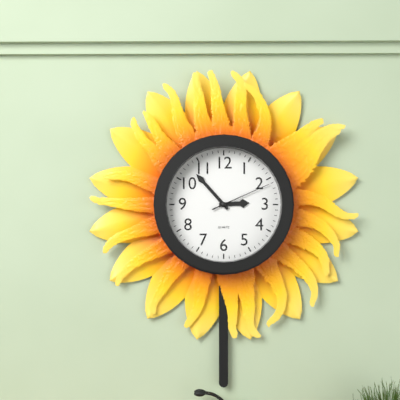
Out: h=2 m=53 s=11
